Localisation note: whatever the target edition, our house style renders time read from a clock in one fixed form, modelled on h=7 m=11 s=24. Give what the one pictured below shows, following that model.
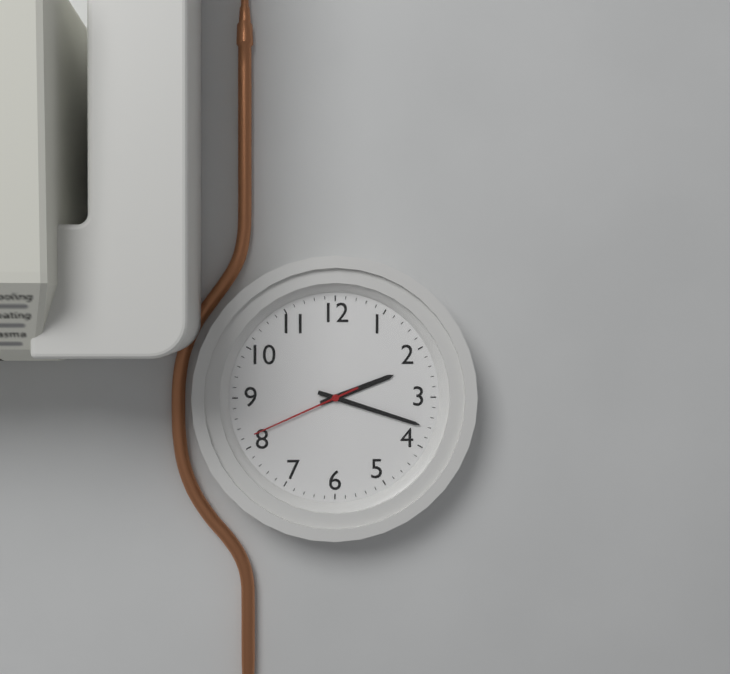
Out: h=2 m=18 s=41
